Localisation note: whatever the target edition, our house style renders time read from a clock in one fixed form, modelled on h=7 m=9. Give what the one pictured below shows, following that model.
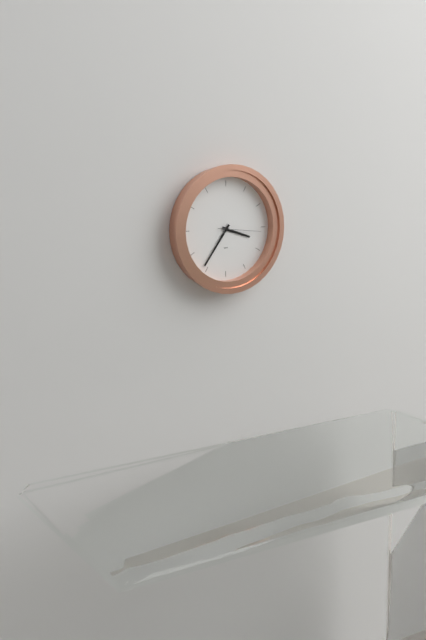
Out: h=3 m=36
